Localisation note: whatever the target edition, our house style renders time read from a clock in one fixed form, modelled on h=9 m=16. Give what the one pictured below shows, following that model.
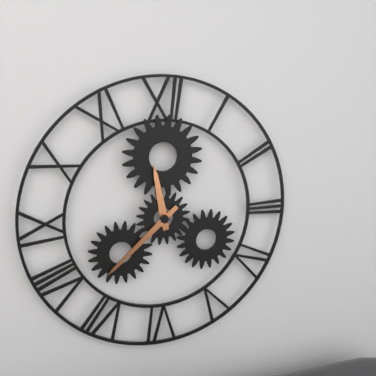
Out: h=11 m=38
